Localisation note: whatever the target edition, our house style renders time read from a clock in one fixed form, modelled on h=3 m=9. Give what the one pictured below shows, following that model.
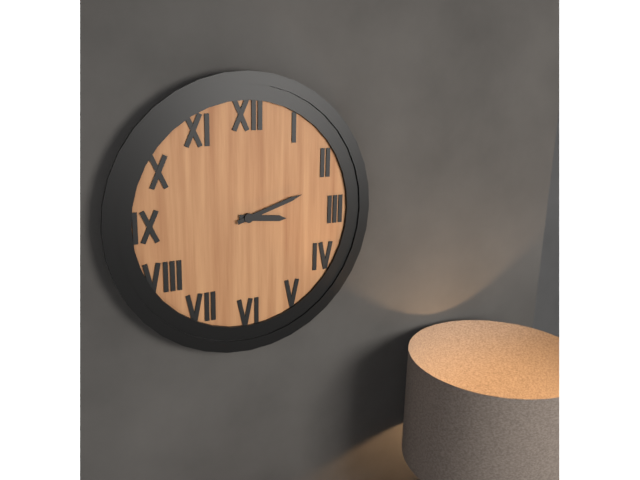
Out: h=3 m=12
